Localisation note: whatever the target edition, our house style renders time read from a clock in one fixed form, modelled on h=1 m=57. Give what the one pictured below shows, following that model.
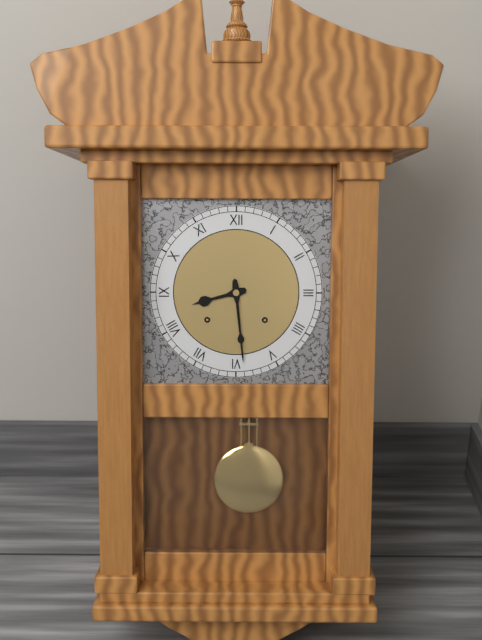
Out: h=8 m=29
